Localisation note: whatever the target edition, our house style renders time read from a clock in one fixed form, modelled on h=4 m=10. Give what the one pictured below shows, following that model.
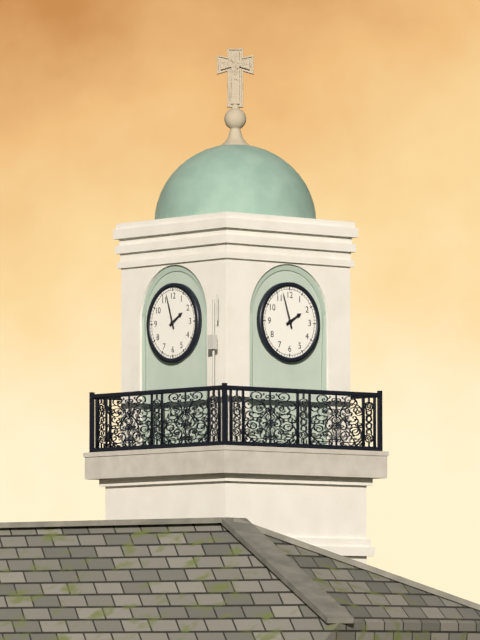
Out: h=1 m=57
